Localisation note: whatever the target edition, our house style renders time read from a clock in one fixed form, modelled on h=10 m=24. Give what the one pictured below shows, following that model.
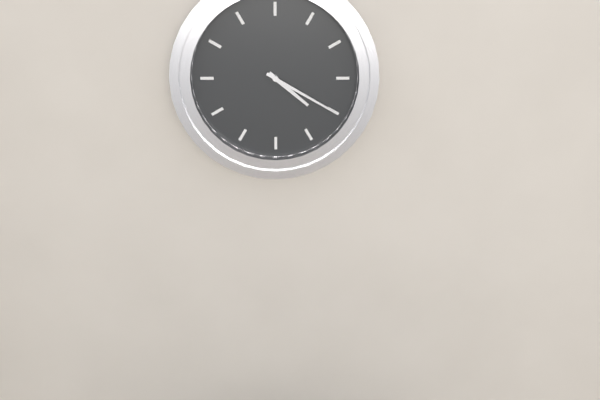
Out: h=4 m=20
